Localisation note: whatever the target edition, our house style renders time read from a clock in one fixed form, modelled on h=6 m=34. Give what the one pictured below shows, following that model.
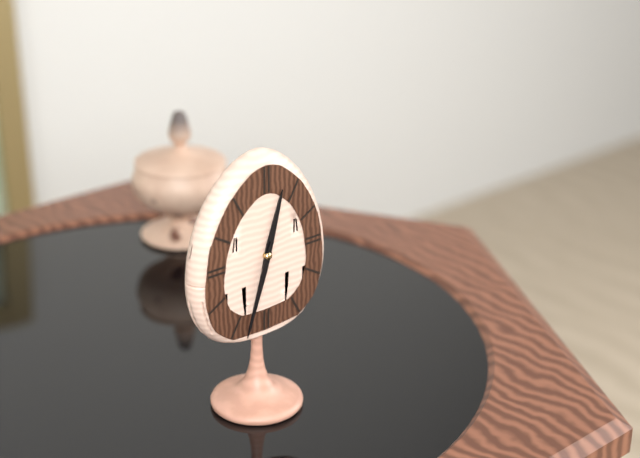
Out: h=12 m=33
